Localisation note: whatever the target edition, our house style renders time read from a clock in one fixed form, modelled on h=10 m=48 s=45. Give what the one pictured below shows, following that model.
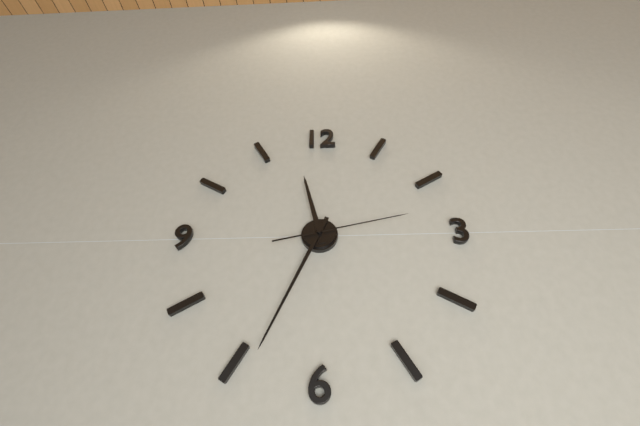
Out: h=11 m=34 s=13
